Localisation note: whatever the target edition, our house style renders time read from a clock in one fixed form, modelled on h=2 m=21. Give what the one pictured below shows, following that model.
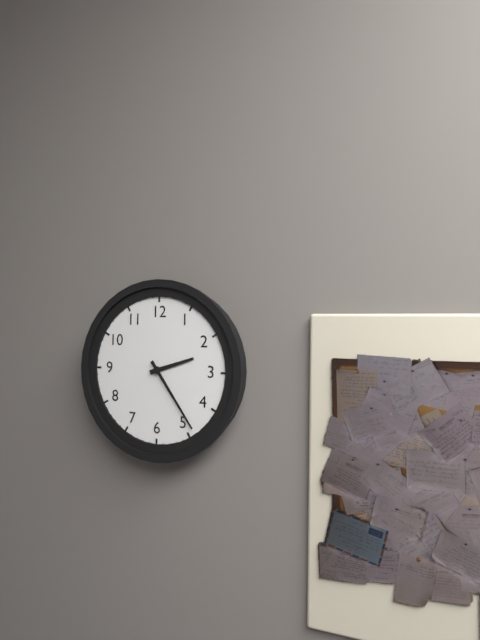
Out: h=2 m=24
